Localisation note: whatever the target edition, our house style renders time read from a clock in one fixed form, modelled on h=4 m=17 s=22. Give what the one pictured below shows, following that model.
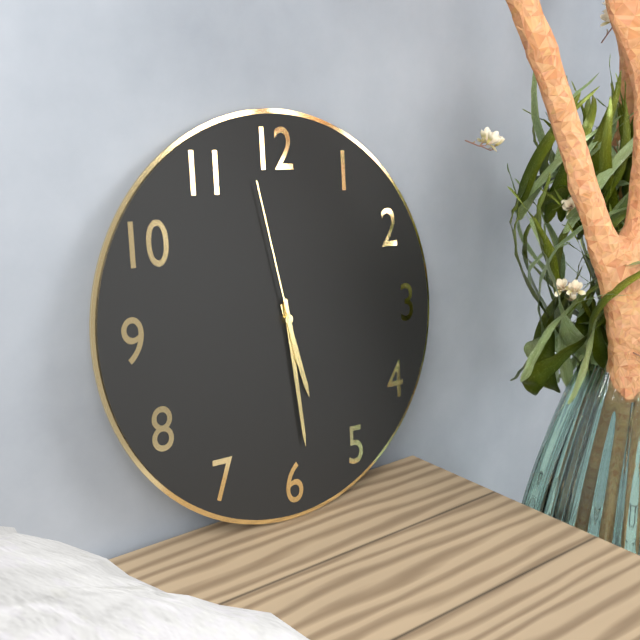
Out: h=5 m=29 s=58
